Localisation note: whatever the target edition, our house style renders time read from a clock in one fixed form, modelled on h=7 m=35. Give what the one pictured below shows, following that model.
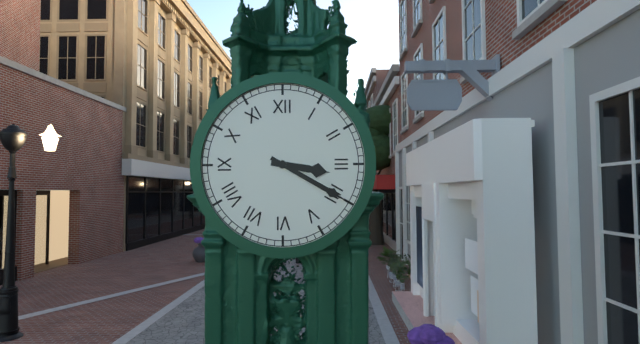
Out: h=3 m=20
